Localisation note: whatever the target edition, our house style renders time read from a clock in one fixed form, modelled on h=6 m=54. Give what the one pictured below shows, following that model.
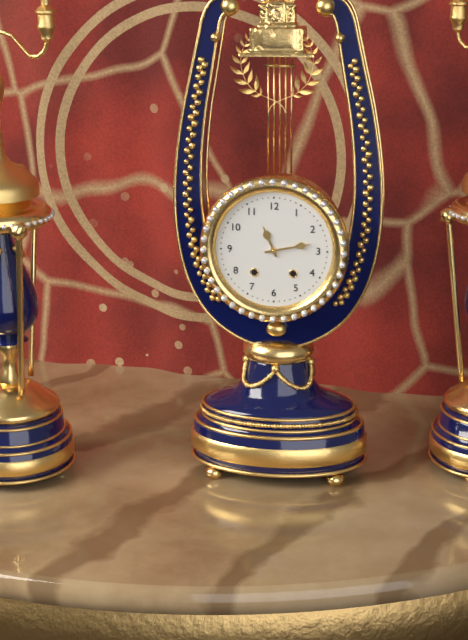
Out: h=11 m=13
